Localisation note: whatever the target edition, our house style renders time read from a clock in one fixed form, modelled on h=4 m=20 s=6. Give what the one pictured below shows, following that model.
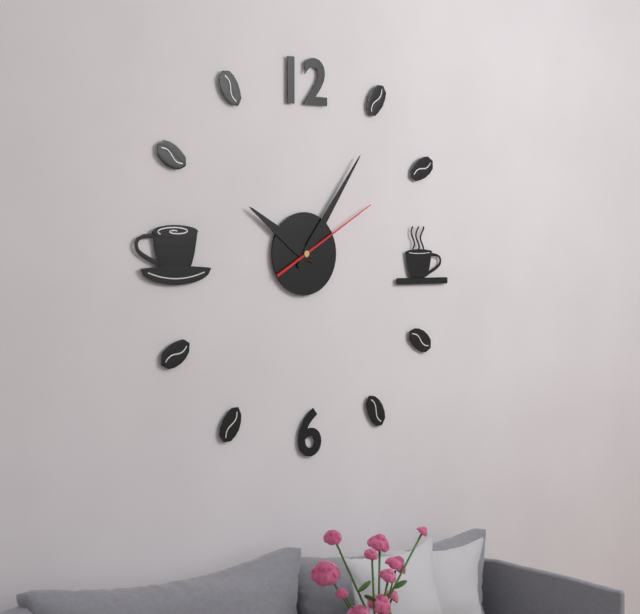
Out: h=10 m=6 s=10
